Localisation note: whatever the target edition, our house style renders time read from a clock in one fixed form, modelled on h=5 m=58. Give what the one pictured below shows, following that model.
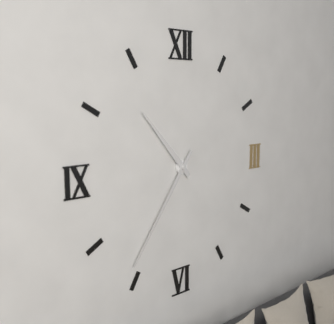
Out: h=10 m=36
